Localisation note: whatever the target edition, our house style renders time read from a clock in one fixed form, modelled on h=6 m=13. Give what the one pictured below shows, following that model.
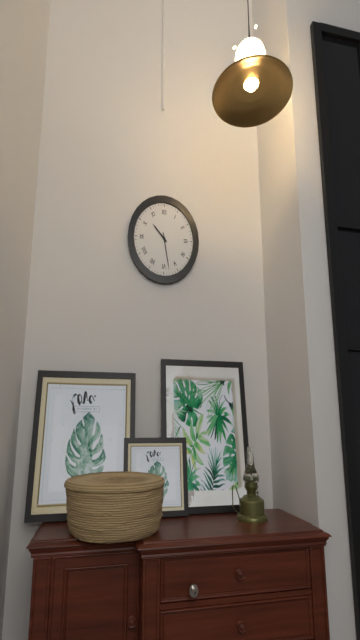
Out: h=10 m=28
